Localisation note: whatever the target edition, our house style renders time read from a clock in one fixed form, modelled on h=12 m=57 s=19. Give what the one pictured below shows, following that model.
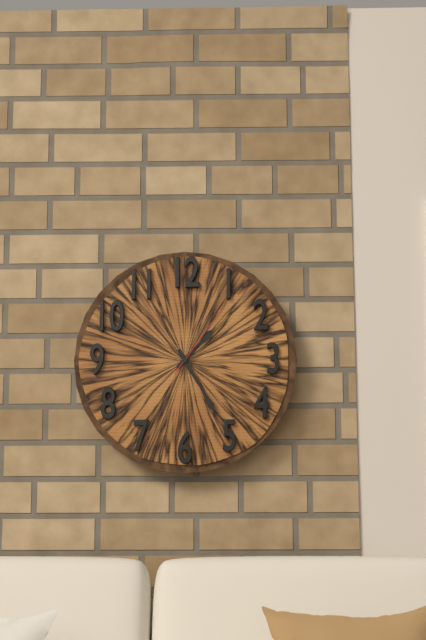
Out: h=1 m=25 s=6
